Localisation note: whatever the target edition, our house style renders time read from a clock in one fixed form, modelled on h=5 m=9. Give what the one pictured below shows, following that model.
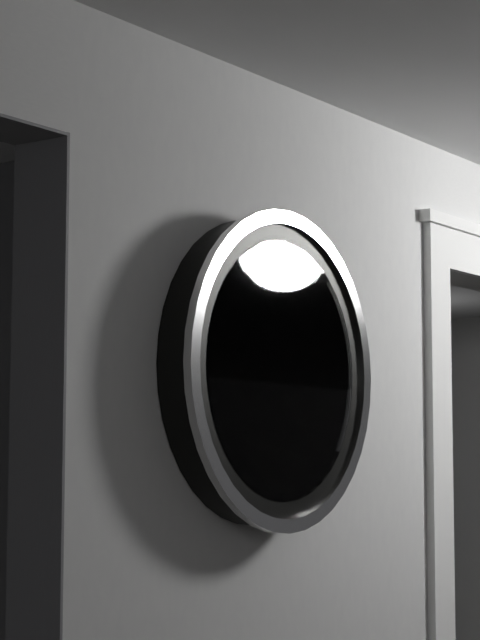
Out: h=9 m=8
